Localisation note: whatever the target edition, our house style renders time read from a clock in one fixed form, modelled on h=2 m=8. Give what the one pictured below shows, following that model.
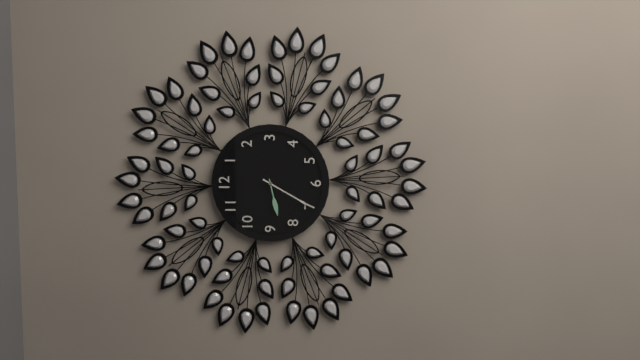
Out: h=8 m=35
